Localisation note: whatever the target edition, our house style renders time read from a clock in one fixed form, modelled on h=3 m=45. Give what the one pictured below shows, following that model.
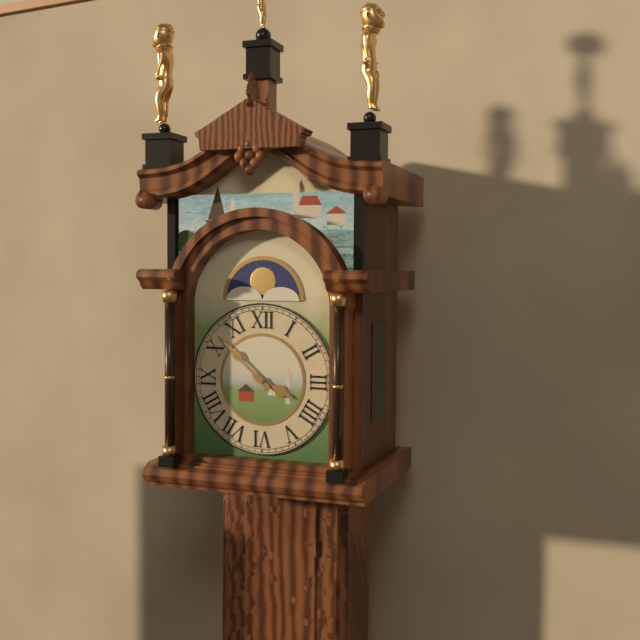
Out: h=3 m=52
